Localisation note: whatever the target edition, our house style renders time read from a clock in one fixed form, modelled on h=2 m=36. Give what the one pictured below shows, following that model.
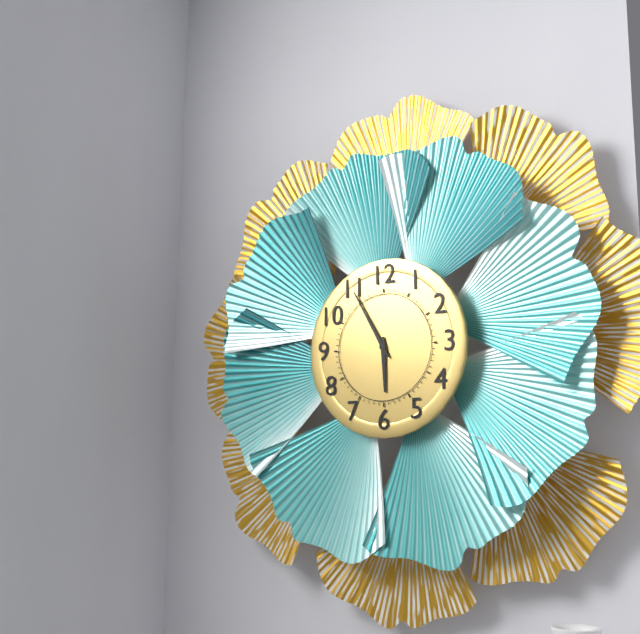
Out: h=5 m=55
